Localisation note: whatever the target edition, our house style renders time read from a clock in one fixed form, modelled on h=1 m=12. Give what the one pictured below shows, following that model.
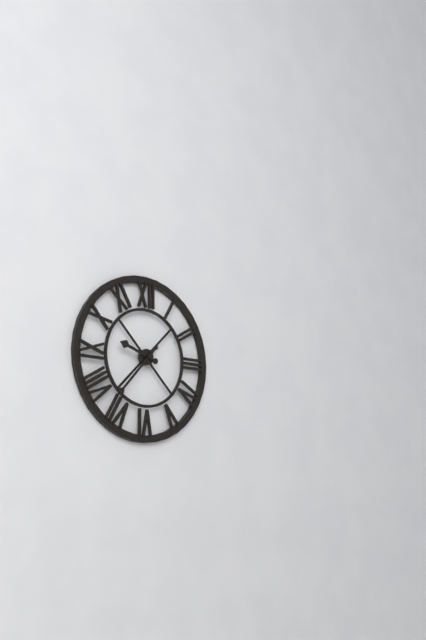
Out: h=9 m=37
